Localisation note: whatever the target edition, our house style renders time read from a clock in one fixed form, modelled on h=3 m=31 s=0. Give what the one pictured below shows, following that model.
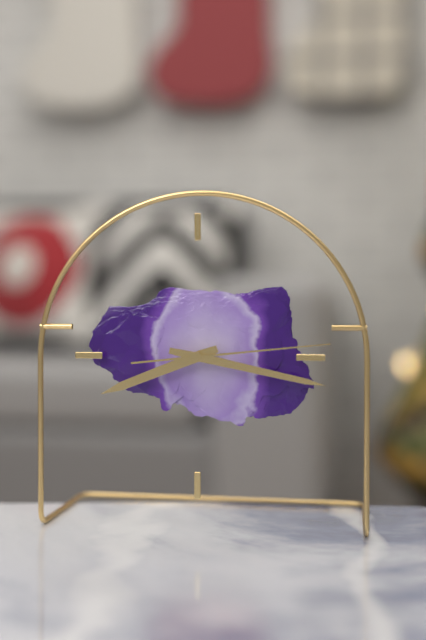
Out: h=8 m=17 s=14
